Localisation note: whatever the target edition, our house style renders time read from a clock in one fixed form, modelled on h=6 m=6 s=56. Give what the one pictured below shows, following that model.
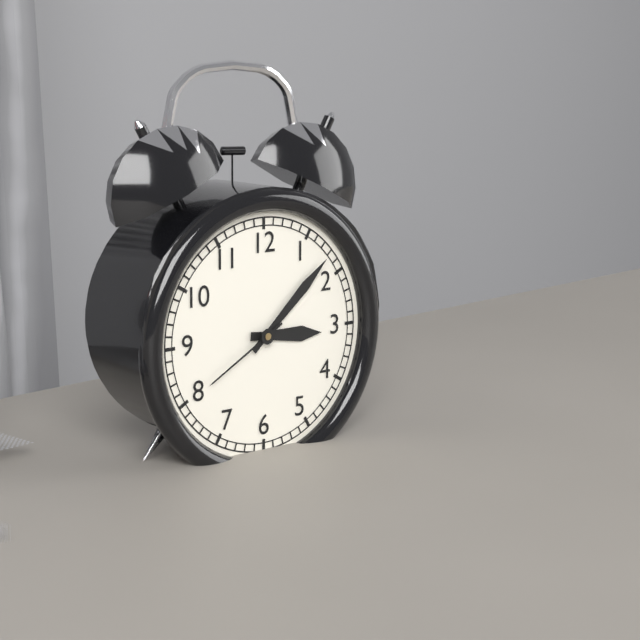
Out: h=3 m=8 s=40
